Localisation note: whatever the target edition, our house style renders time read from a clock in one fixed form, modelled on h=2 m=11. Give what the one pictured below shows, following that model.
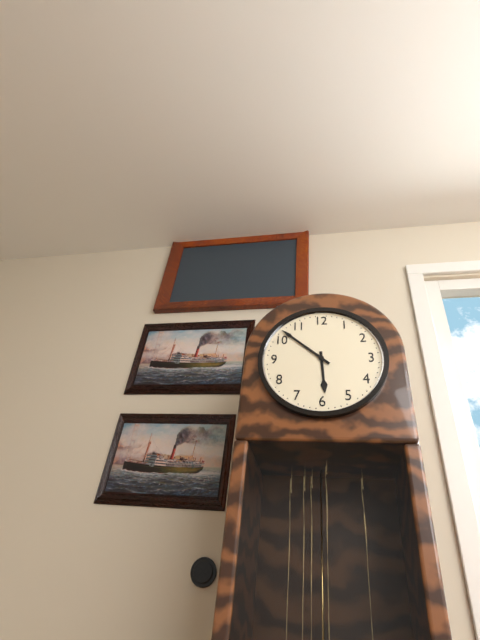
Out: h=5 m=52
